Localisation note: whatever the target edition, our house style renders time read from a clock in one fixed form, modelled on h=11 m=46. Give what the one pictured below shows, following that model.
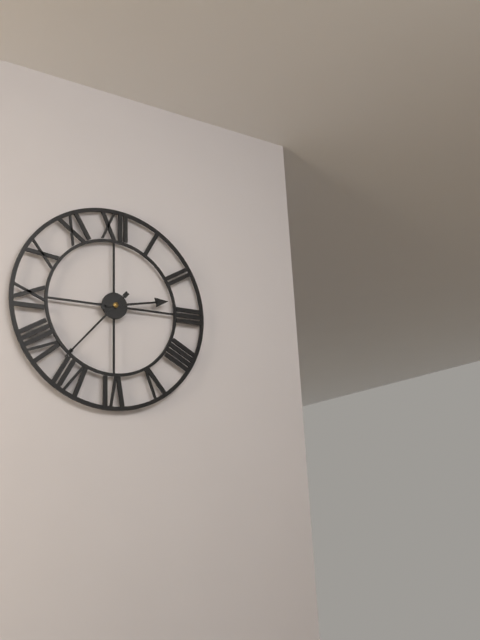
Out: h=2 m=37
